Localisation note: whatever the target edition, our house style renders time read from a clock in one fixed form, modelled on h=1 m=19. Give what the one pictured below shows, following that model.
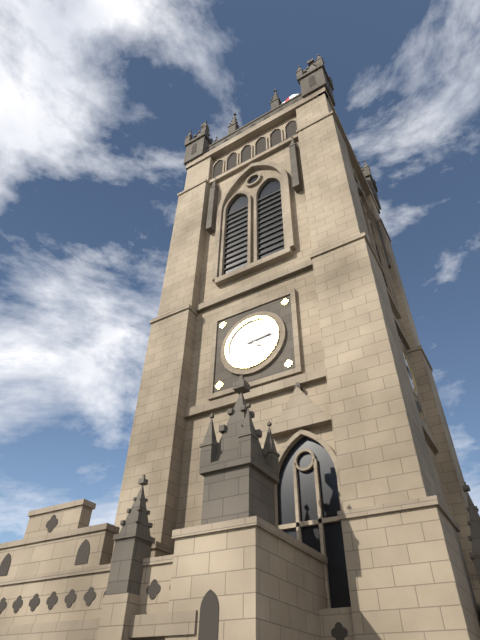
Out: h=4 m=14
